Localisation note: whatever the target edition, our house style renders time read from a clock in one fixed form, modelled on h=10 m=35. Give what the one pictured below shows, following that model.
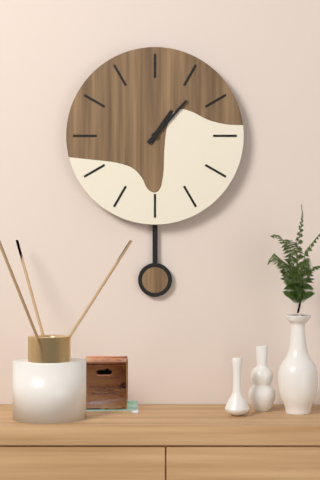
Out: h=1 m=7
